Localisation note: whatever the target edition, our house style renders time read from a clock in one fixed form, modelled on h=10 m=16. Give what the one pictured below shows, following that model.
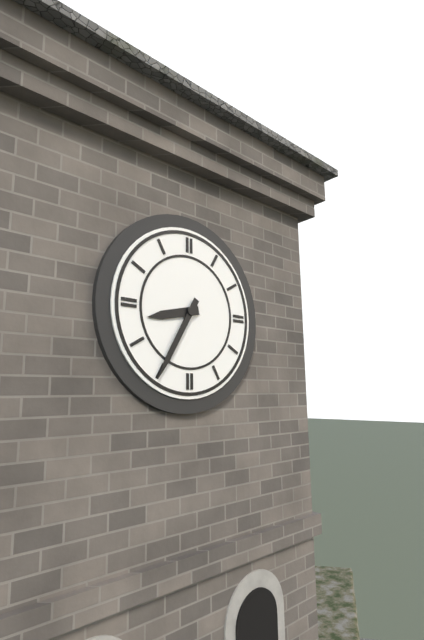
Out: h=8 m=35
